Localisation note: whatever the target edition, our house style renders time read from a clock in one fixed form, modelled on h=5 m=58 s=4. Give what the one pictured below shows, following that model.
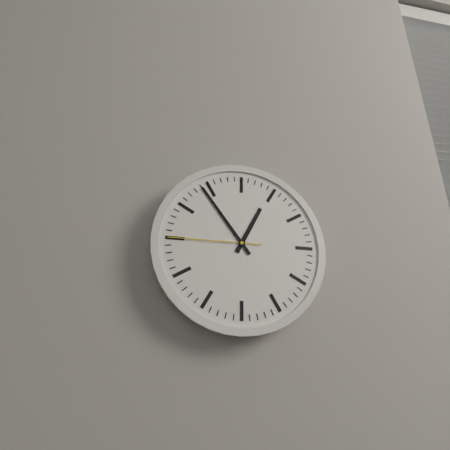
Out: h=12 m=54 s=45
